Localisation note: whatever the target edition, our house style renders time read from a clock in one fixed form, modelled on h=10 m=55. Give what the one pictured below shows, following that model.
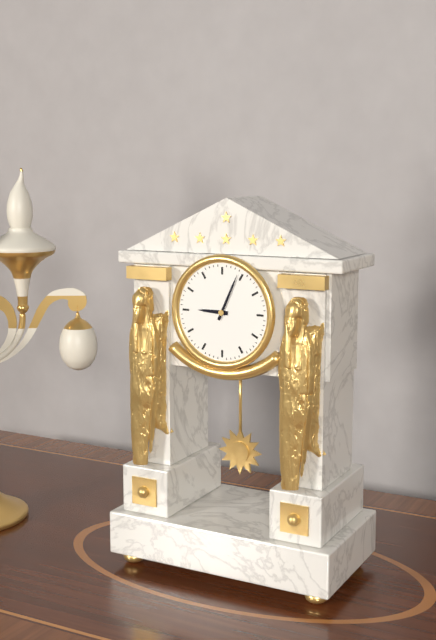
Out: h=9 m=4
